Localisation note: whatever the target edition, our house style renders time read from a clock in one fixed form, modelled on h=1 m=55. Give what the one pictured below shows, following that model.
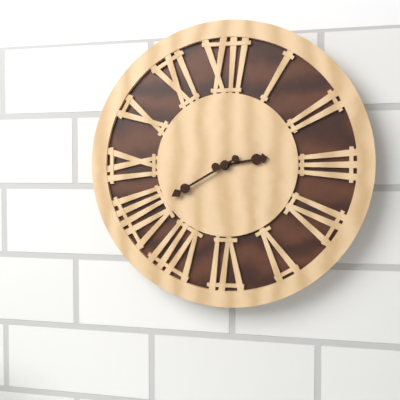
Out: h=2 m=40
